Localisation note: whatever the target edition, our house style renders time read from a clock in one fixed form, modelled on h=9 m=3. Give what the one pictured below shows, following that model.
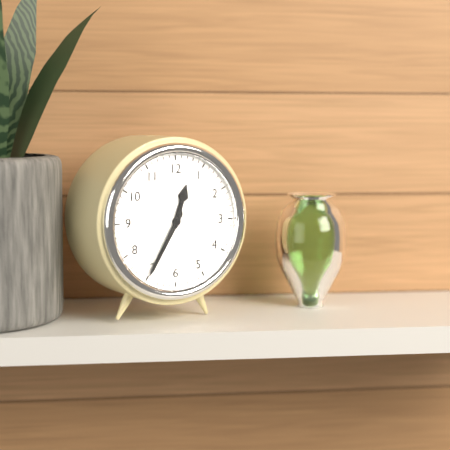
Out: h=12 m=35
